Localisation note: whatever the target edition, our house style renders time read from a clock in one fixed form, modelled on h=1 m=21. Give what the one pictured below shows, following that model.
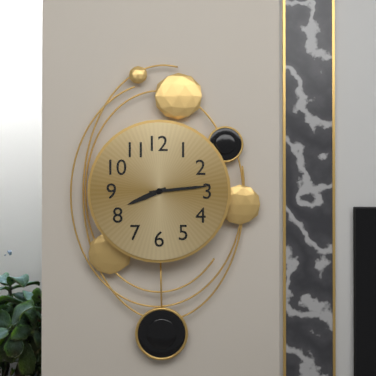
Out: h=8 m=14
